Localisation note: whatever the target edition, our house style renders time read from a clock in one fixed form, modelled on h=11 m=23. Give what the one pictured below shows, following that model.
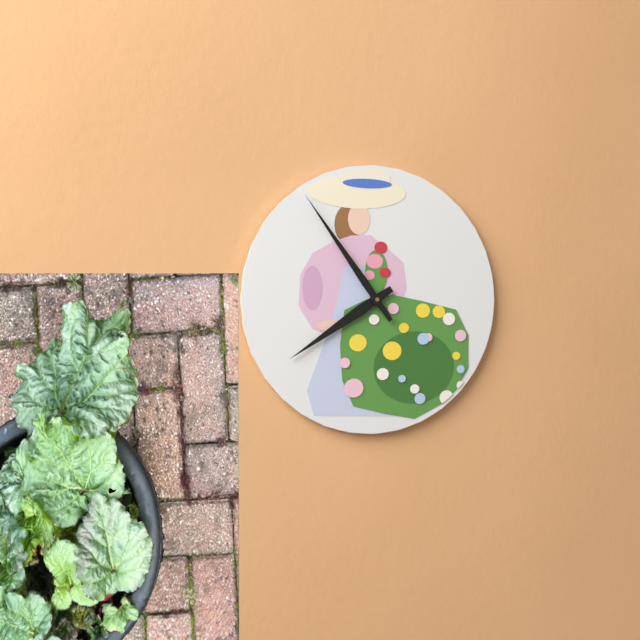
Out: h=7 m=54
